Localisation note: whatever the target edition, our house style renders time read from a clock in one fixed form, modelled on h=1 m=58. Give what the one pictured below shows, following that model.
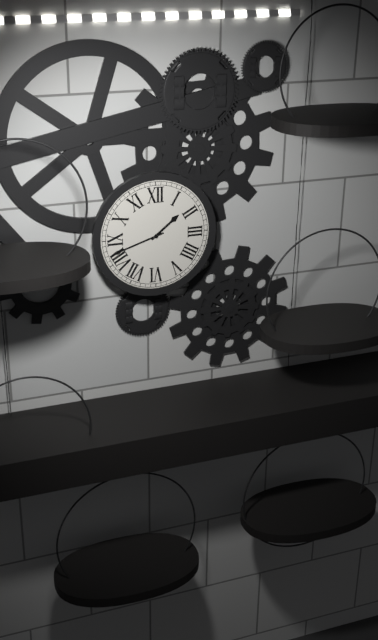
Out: h=1 m=42
